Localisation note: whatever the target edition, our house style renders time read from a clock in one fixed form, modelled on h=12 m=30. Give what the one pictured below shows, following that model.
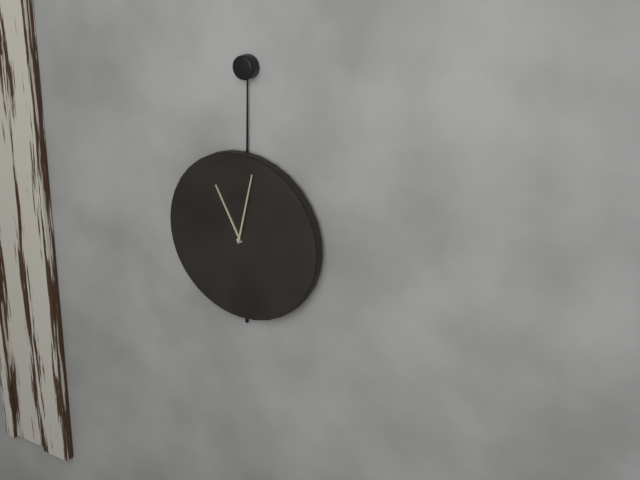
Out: h=11 m=2
